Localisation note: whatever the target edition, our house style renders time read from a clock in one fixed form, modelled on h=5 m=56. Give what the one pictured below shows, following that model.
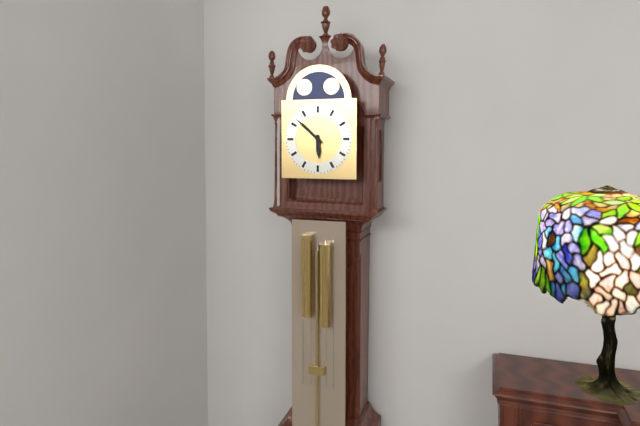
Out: h=5 m=52
